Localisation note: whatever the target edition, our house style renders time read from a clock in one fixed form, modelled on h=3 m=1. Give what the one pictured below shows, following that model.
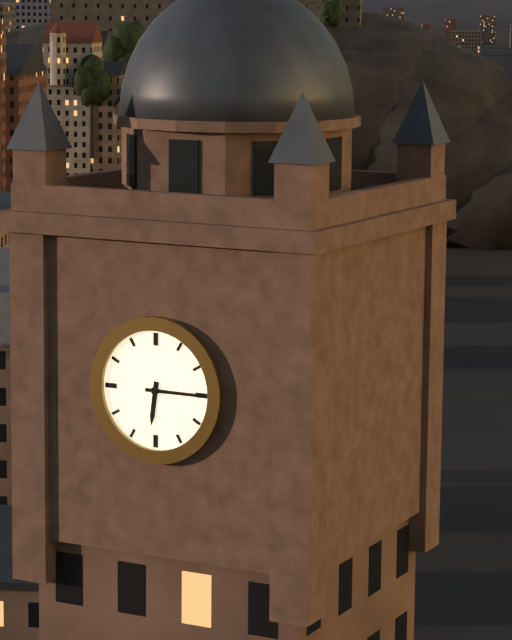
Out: h=6 m=15
